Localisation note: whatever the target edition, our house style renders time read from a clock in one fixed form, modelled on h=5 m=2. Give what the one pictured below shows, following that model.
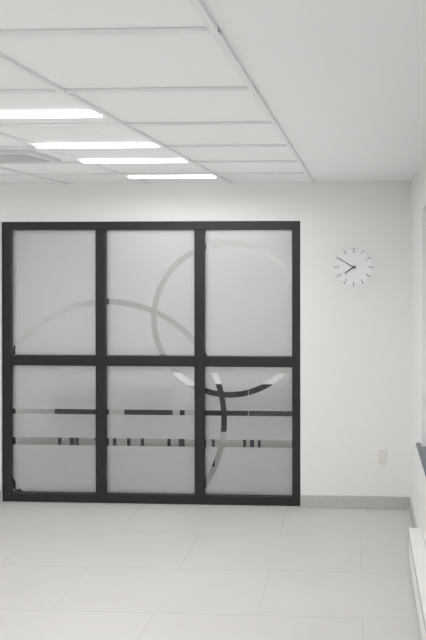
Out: h=7 m=50
